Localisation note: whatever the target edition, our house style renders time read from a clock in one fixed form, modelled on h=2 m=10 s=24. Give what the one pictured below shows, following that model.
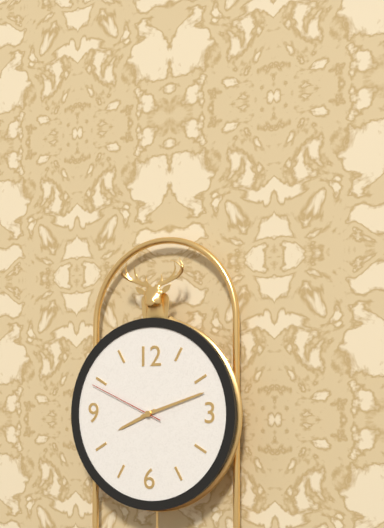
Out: h=8 m=12 s=49
